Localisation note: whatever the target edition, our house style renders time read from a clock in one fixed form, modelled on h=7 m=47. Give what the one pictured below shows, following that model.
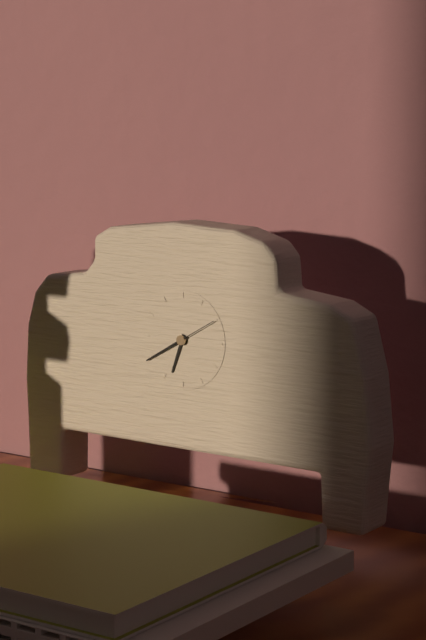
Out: h=6 m=40
